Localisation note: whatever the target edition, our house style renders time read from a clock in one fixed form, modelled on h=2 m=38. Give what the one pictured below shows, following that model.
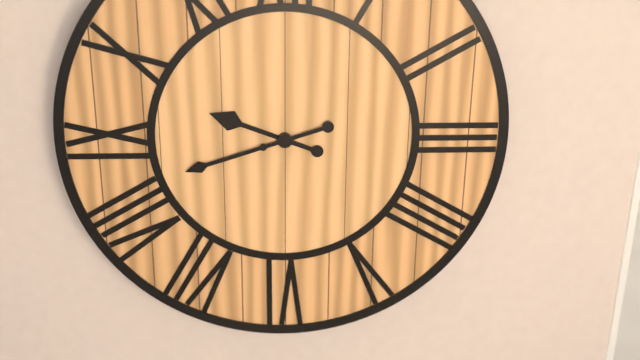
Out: h=9 m=42
